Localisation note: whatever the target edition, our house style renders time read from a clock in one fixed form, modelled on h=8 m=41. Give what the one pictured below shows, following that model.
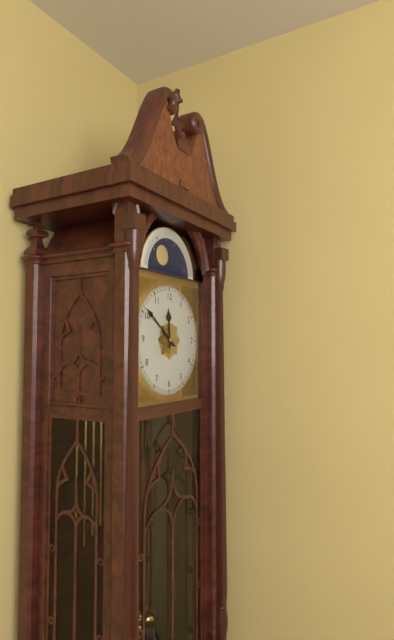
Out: h=11 m=51
